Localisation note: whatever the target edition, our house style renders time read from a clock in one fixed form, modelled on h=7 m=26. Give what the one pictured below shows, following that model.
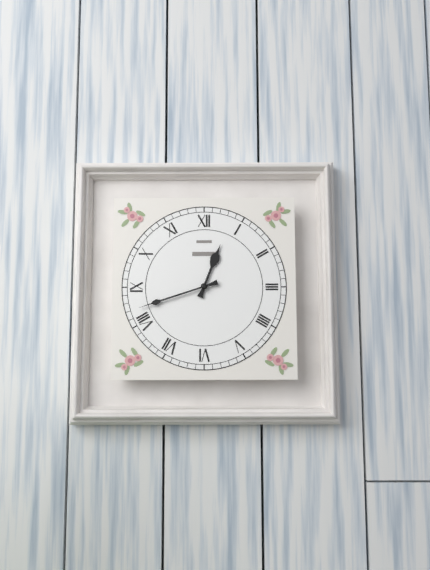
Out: h=12 m=42
